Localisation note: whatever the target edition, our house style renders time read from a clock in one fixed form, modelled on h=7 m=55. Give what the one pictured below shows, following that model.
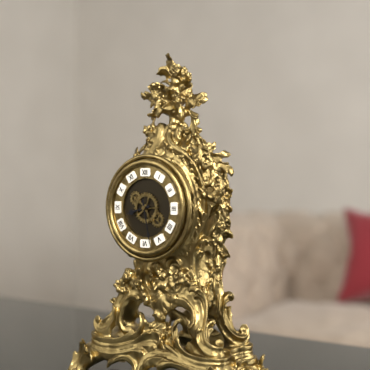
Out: h=8 m=28
